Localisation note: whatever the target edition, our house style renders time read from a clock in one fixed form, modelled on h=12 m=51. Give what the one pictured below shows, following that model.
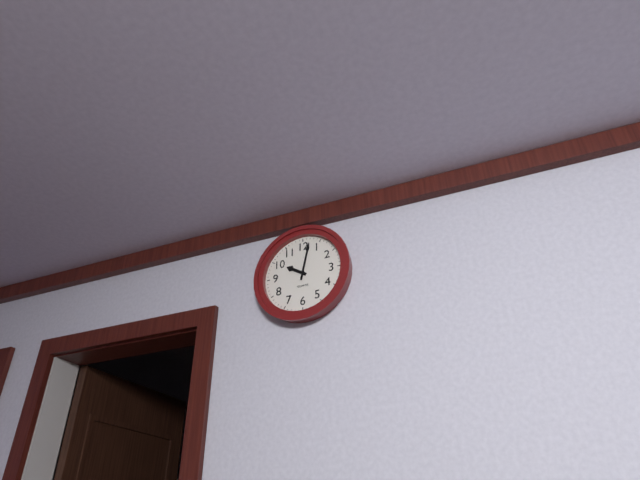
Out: h=10 m=2
